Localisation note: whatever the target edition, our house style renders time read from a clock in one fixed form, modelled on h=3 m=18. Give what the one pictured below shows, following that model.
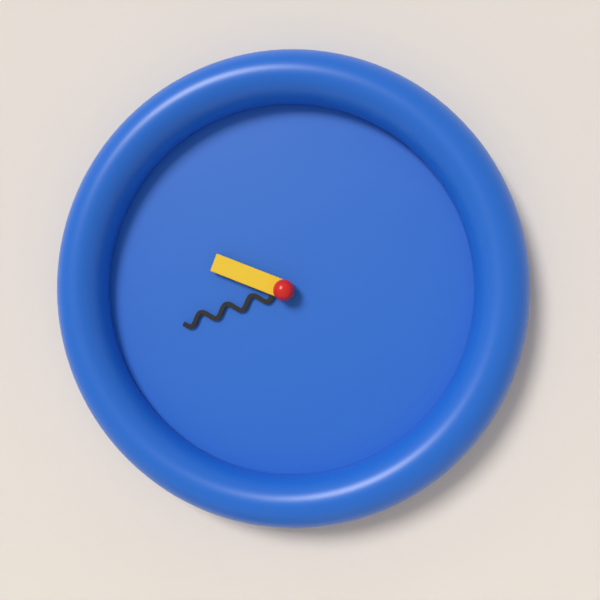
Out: h=9 m=42
